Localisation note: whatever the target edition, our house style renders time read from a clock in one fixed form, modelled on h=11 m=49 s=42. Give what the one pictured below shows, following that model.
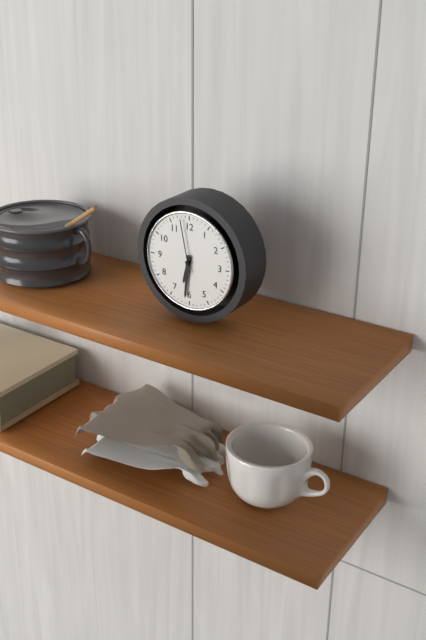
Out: h=6 m=31 s=58
